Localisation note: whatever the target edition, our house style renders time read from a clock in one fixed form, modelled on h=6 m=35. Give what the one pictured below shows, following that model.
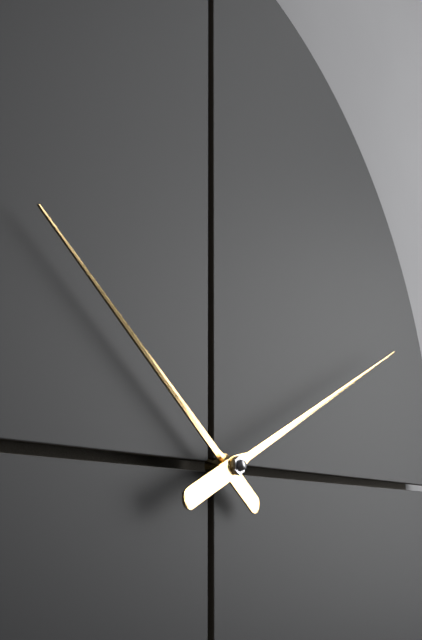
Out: h=10 m=11
